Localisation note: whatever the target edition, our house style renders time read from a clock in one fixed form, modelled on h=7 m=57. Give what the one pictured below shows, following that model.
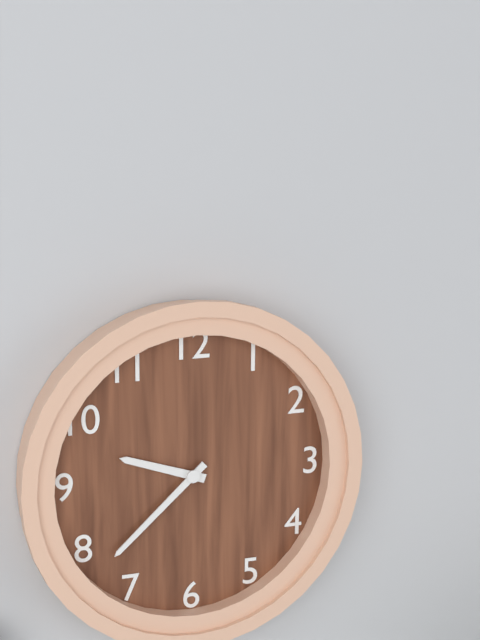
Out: h=9 m=38
